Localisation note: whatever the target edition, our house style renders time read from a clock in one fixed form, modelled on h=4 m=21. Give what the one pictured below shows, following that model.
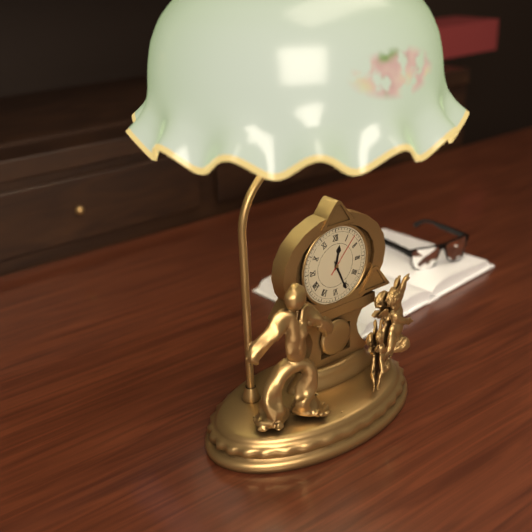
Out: h=12 m=26
